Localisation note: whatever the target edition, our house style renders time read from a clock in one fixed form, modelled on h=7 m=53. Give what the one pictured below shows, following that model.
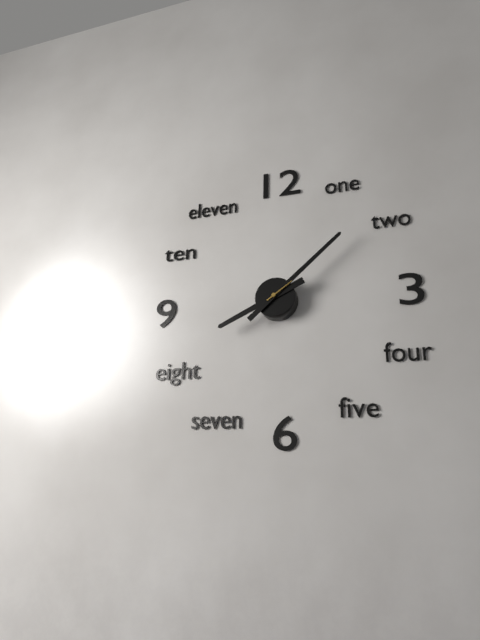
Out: h=8 m=8
